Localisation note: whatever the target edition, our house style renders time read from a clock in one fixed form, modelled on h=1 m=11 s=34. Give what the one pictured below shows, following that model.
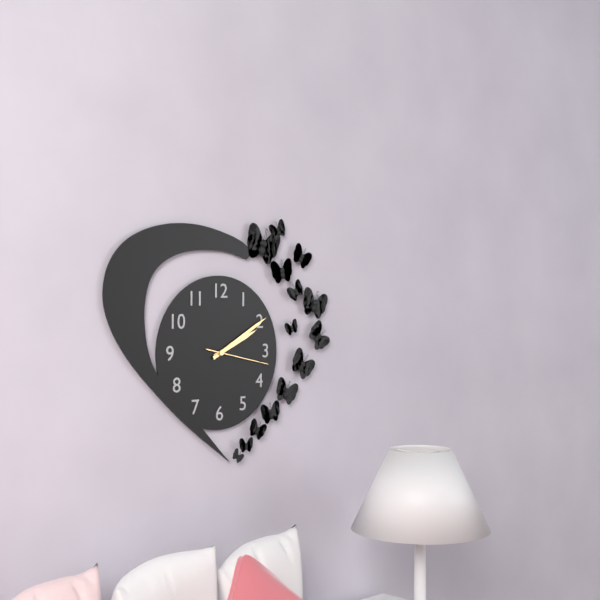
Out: h=2 m=10 s=17
